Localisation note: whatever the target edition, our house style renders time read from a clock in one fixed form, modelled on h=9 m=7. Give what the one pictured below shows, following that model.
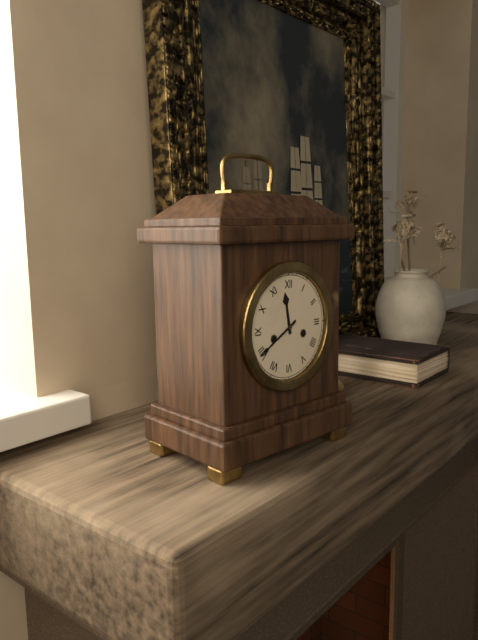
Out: h=11 m=40
